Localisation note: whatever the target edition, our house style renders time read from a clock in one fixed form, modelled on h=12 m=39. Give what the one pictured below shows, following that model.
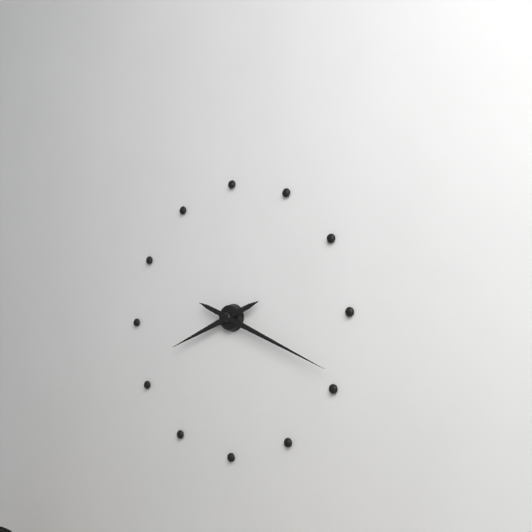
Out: h=8 m=19
